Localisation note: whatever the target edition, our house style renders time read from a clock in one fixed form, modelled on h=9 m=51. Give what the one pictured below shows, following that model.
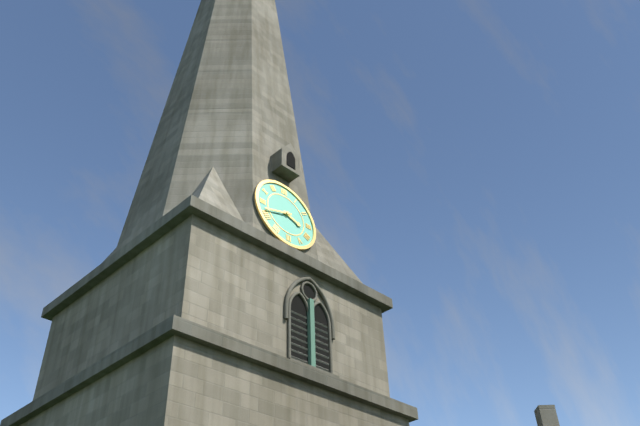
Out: h=3 m=42
